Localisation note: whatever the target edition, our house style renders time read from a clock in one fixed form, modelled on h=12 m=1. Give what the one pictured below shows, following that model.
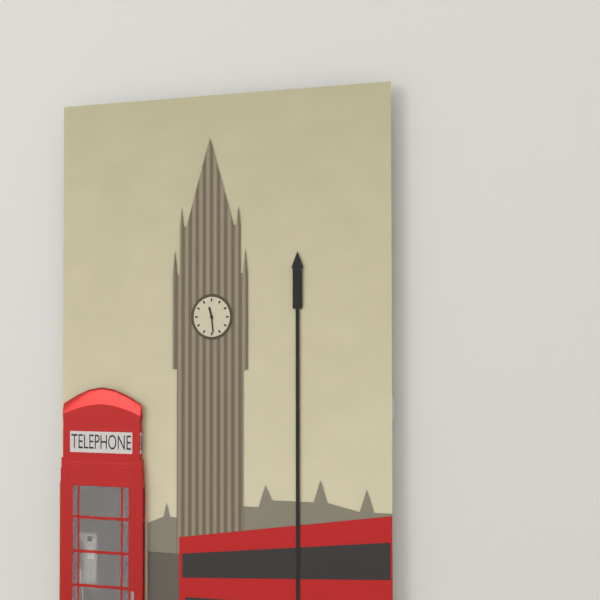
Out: h=11 m=29
